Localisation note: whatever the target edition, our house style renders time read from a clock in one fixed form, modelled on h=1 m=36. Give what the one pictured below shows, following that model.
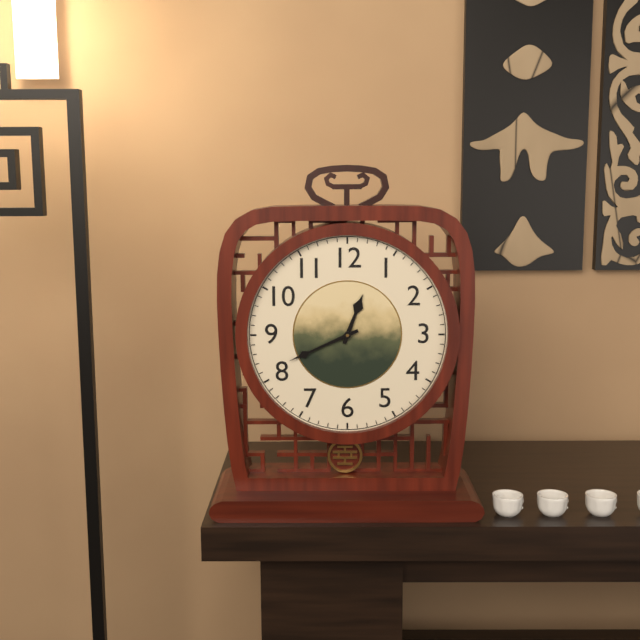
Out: h=12 m=41
